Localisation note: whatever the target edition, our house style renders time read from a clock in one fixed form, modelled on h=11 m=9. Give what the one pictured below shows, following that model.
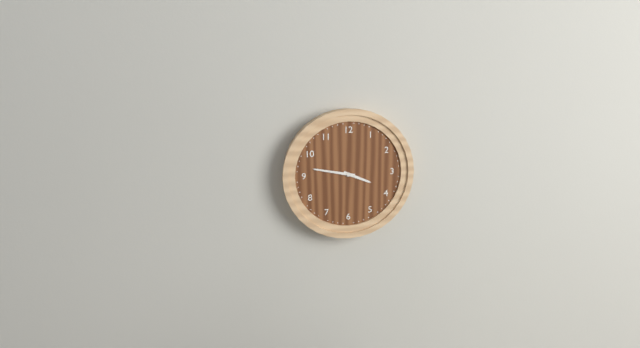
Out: h=3 m=47
